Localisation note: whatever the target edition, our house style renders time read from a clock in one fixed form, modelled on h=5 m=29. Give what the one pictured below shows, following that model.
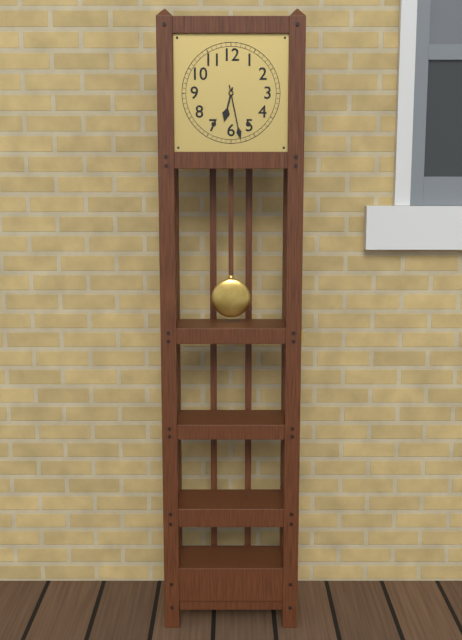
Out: h=6 m=28
